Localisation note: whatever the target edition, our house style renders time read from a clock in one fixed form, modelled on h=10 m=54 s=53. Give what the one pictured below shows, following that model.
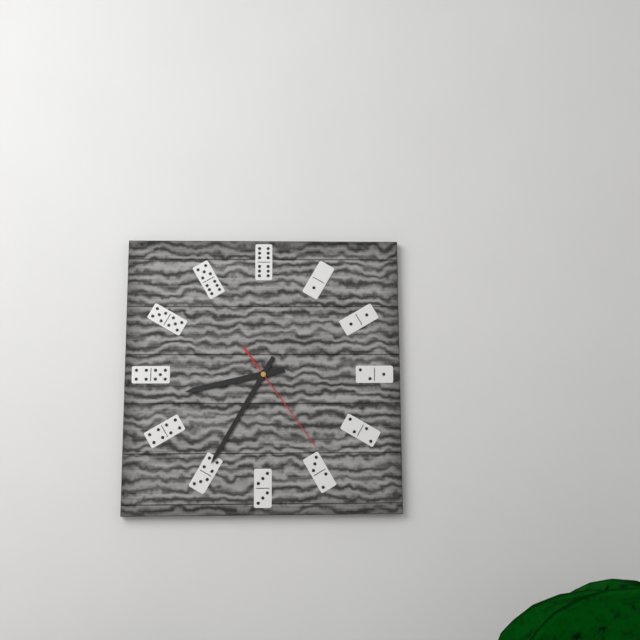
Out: h=8 m=35 s=24
